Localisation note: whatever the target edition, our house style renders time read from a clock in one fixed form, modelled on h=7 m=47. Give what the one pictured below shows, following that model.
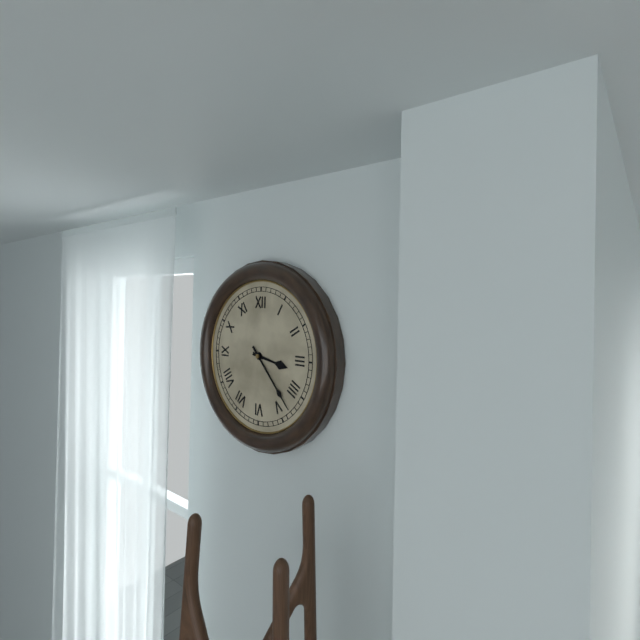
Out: h=3 m=23
